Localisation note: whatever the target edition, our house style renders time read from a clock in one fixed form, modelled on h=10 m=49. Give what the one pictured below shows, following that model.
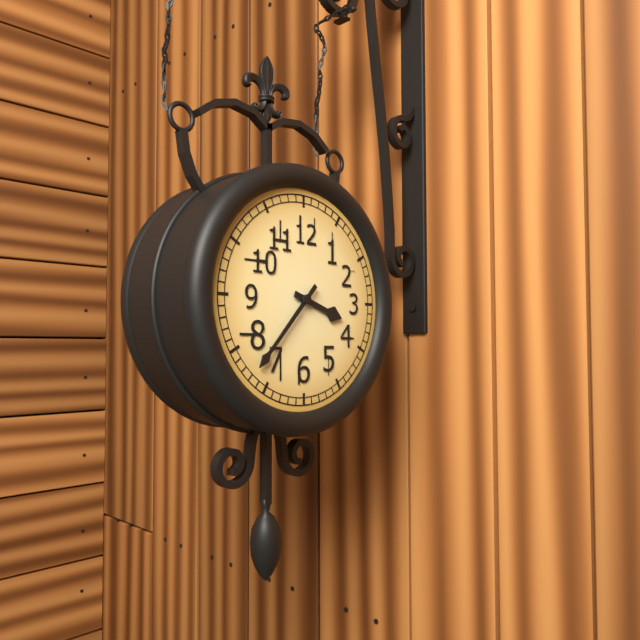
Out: h=3 m=37
